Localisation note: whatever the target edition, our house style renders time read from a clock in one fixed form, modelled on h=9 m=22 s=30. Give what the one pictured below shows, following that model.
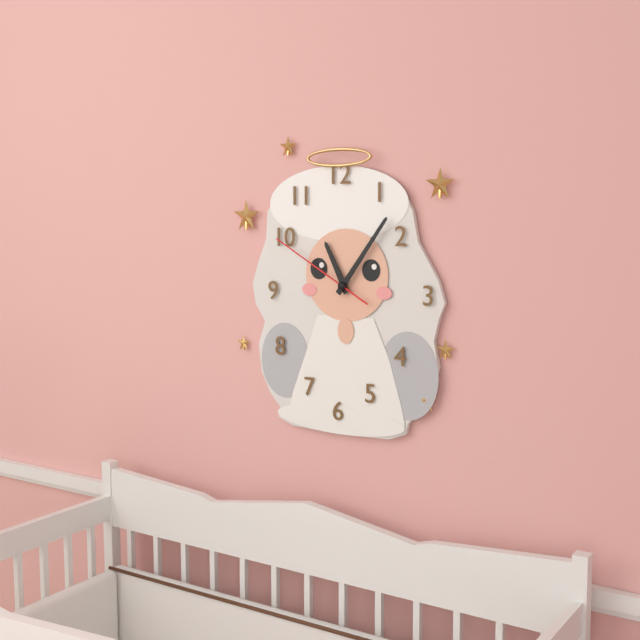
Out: h=11 m=6 s=50
